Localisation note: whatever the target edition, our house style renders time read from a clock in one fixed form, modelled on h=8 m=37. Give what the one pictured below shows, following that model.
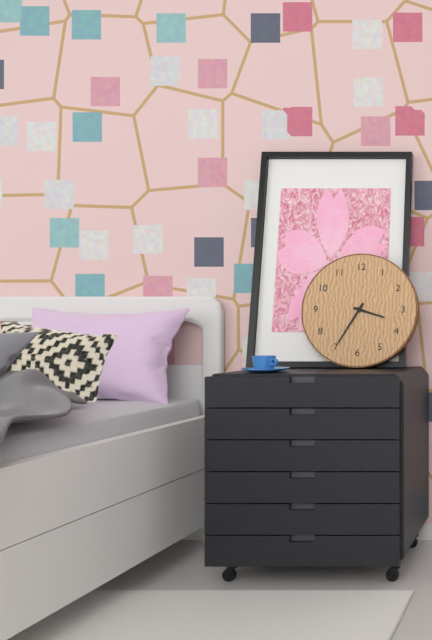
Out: h=3 m=35
